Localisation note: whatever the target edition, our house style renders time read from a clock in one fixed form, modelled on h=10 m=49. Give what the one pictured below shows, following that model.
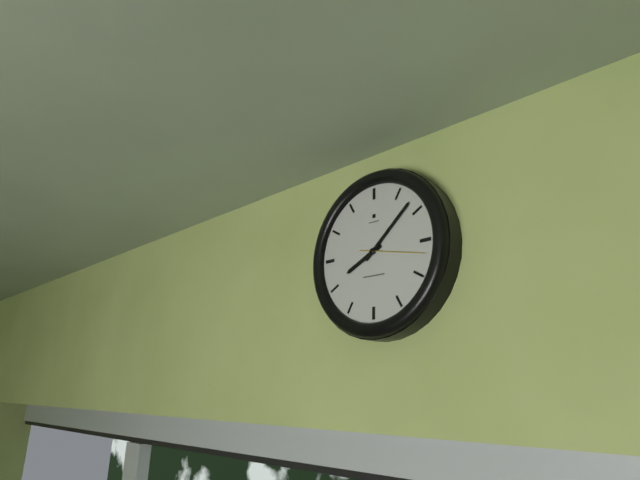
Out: h=8 m=8
